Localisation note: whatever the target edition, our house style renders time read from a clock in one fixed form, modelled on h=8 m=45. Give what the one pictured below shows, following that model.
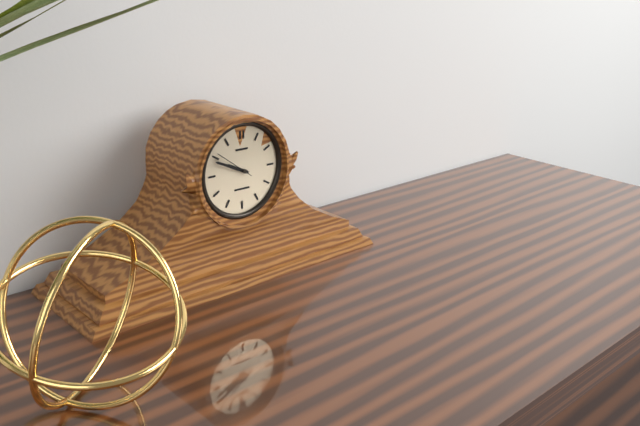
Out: h=9 m=49
